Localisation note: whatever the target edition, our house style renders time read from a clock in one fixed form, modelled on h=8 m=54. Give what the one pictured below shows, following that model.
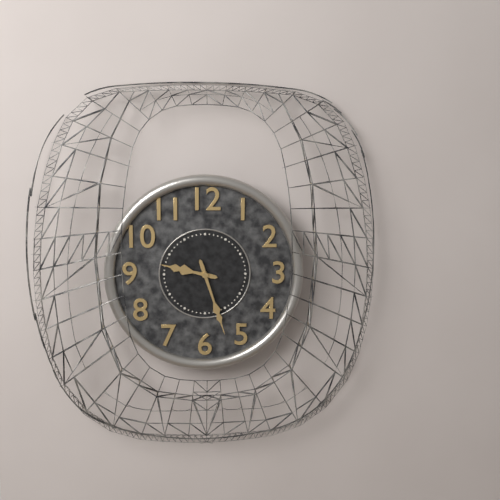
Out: h=9 m=27
